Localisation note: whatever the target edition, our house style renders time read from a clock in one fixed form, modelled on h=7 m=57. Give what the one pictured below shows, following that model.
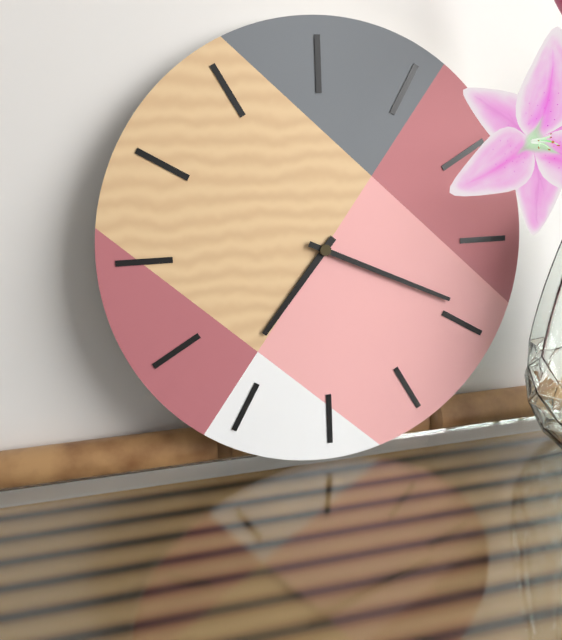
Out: h=7 m=19
